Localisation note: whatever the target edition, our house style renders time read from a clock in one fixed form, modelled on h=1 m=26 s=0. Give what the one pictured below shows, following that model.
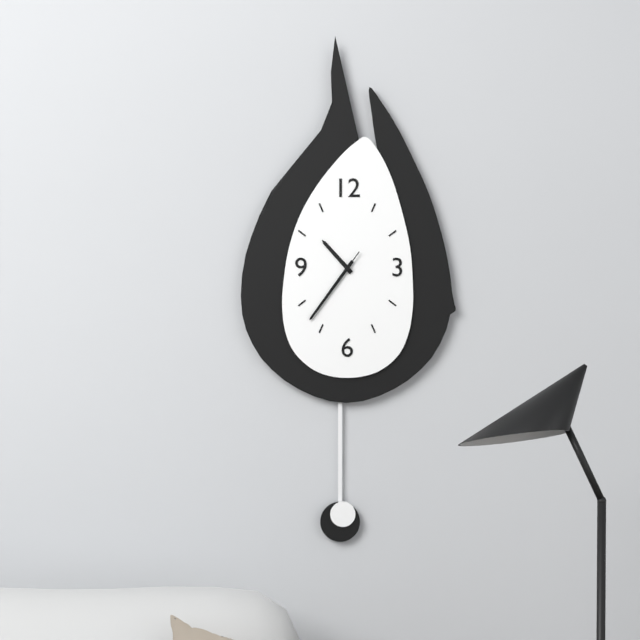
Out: h=10 m=36 s=36
